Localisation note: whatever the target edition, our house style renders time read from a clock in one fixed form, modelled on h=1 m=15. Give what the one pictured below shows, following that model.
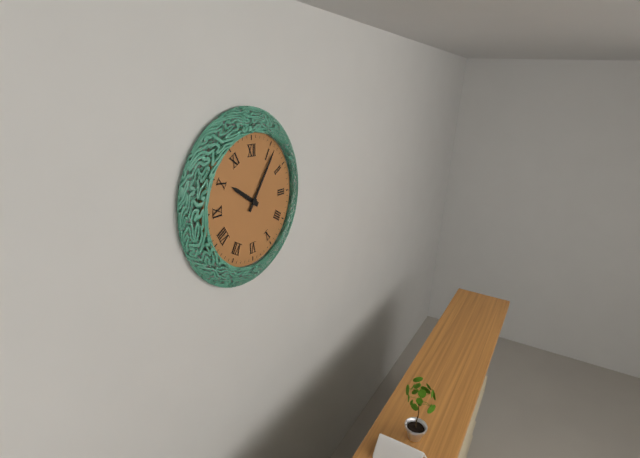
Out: h=10 m=6
